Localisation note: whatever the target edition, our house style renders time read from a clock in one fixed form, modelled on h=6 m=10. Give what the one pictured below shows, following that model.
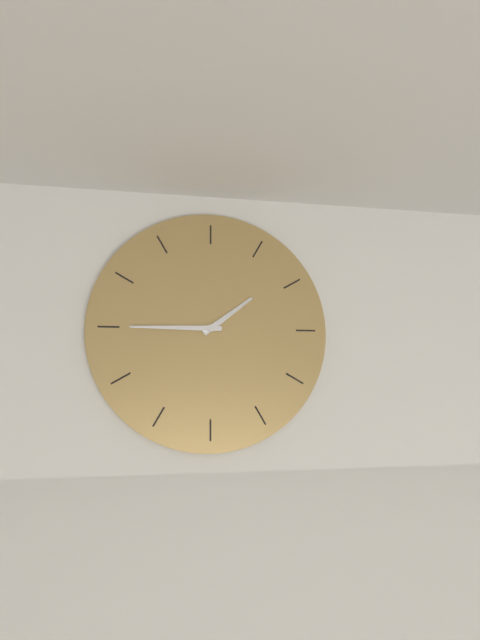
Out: h=1 m=45
